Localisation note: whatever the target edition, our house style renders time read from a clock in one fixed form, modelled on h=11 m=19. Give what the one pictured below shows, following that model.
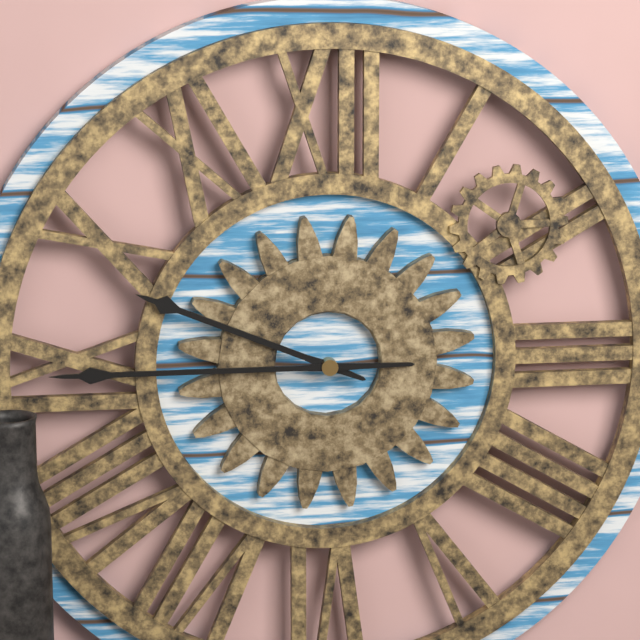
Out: h=9 m=45
